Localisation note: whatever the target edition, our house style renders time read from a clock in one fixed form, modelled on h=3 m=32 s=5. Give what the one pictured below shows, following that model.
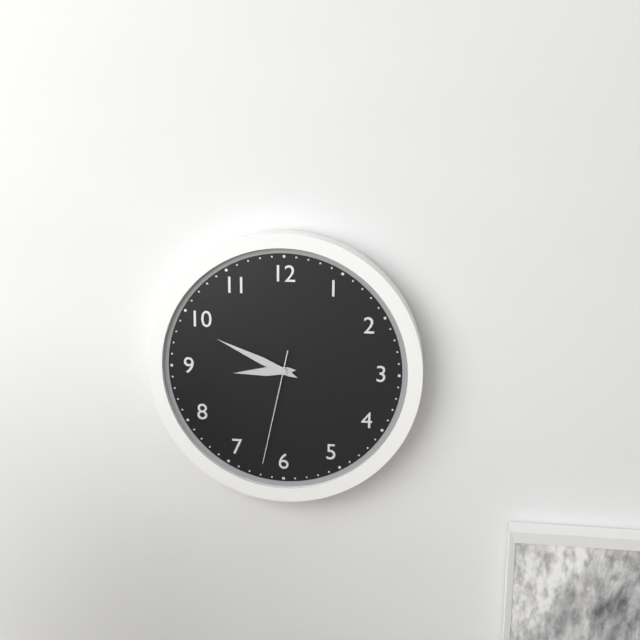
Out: h=8 m=49 s=32
